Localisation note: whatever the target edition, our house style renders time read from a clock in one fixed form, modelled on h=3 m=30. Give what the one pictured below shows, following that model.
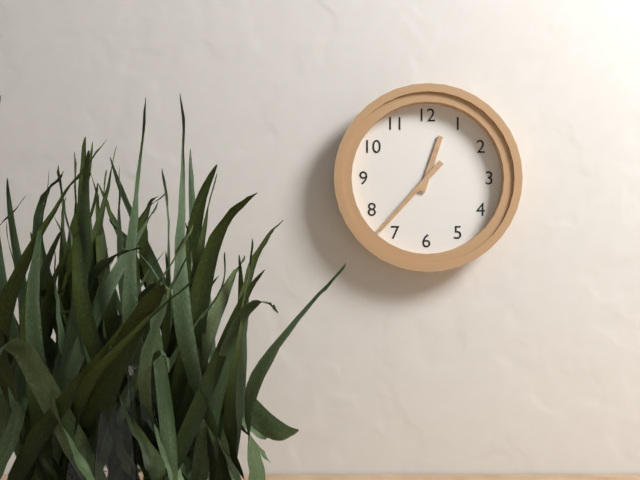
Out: h=12 m=37
